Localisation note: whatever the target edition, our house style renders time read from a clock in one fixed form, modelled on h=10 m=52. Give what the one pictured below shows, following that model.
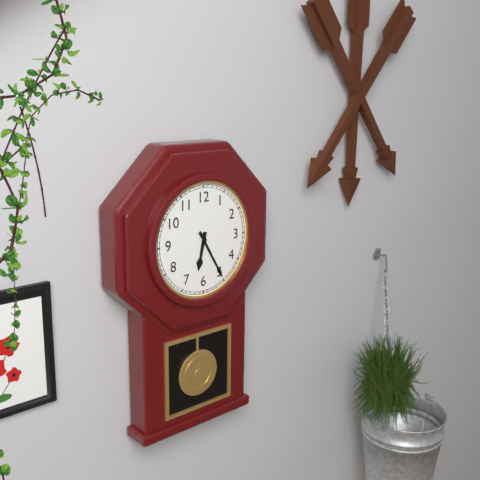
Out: h=6 m=25
